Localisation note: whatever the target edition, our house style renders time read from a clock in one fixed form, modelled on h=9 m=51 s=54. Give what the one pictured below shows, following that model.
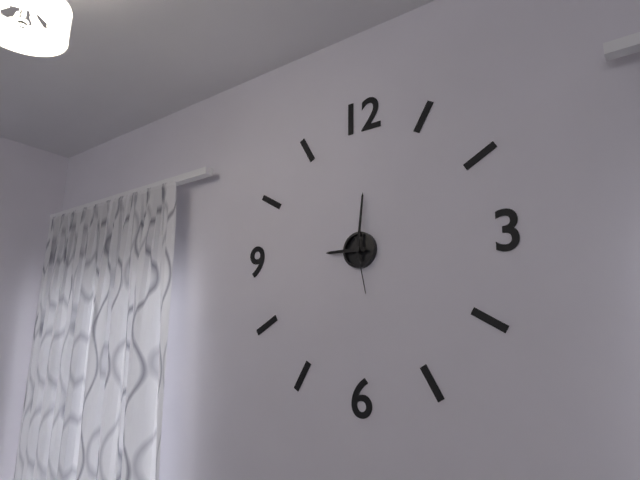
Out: h=9 m=1 s=28
